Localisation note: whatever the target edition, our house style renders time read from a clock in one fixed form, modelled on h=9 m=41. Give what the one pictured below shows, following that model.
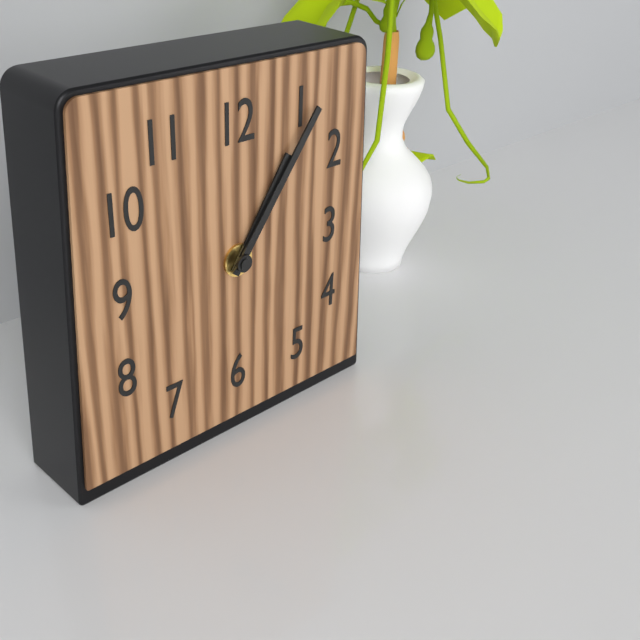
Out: h=1 m=6
